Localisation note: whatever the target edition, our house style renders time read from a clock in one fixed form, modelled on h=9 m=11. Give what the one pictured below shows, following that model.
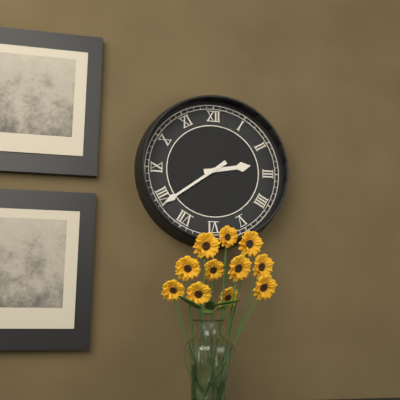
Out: h=2 m=39
